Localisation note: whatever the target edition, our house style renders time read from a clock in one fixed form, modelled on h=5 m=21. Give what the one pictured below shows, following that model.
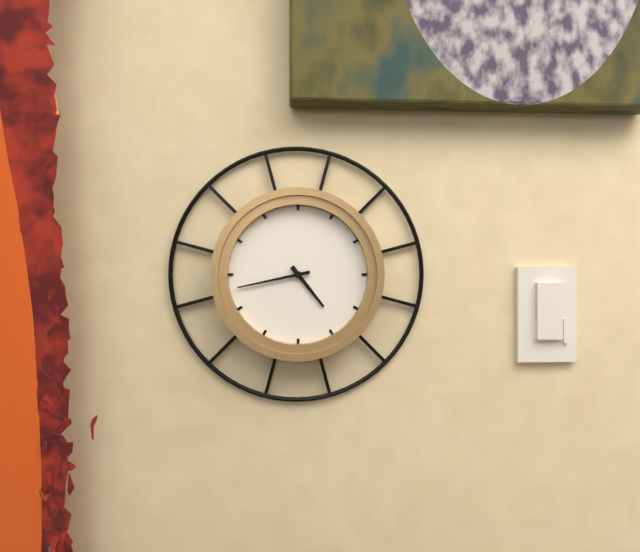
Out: h=4 m=43
